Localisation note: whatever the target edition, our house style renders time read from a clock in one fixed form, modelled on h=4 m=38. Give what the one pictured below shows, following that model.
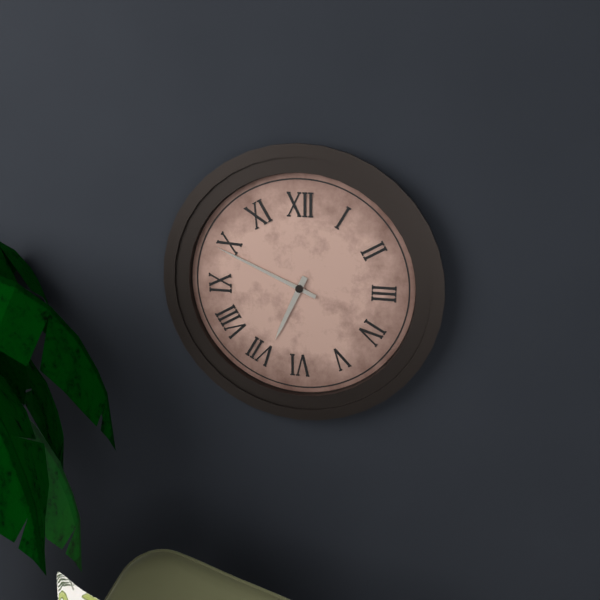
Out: h=6 m=49
